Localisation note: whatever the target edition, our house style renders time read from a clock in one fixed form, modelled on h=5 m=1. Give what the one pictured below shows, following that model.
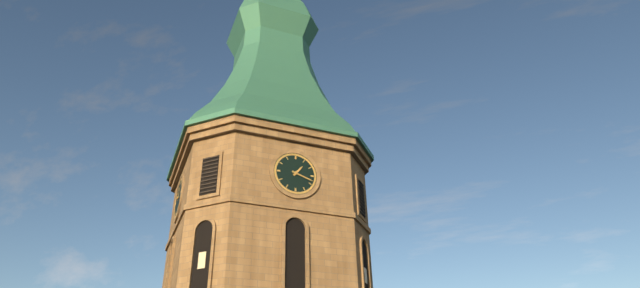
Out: h=1 m=18
